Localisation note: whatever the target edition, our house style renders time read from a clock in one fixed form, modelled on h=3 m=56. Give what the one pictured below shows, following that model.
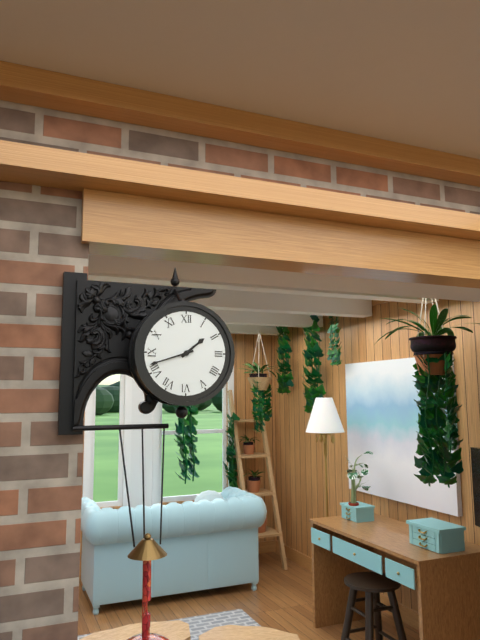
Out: h=1 m=42
